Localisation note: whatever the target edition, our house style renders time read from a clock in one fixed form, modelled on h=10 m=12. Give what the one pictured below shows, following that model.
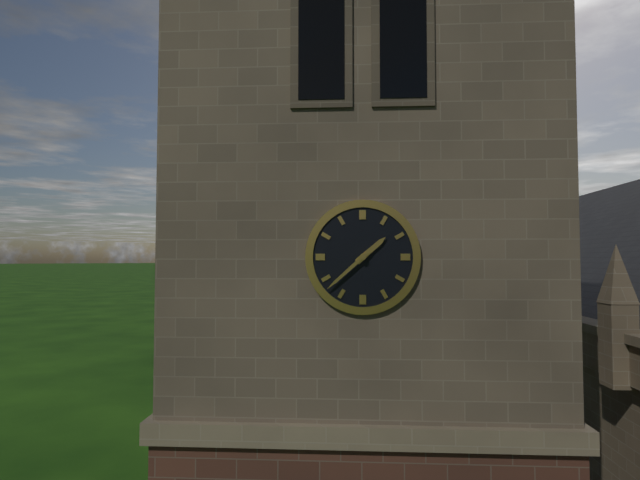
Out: h=1 m=38
